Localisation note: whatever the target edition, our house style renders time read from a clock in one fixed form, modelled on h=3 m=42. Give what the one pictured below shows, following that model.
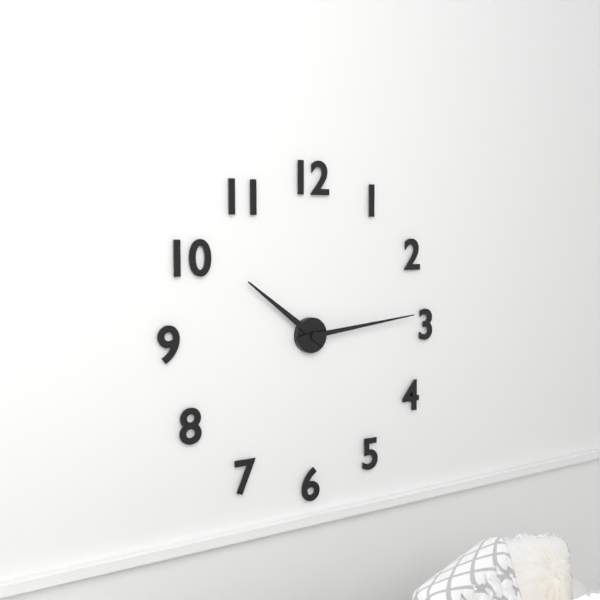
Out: h=10 m=14
